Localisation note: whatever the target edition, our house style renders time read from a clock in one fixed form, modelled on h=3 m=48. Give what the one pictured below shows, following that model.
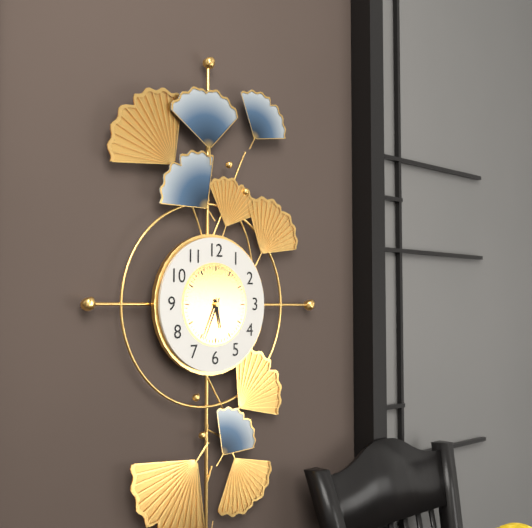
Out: h=5 m=34
